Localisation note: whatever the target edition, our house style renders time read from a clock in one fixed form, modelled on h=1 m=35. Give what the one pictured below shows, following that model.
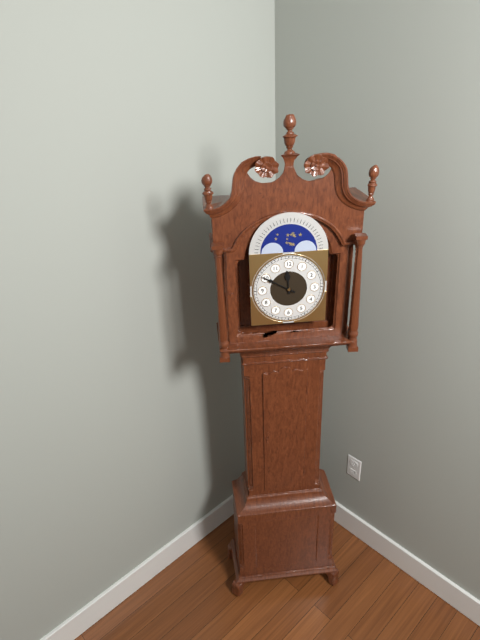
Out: h=11 m=50
